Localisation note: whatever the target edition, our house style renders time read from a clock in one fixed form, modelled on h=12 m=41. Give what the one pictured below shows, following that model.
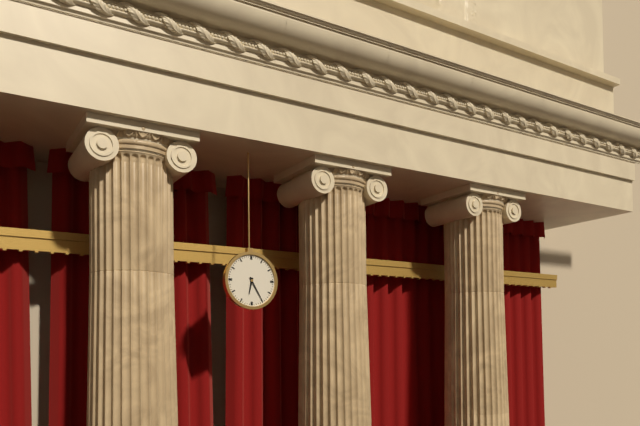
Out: h=6 m=25
